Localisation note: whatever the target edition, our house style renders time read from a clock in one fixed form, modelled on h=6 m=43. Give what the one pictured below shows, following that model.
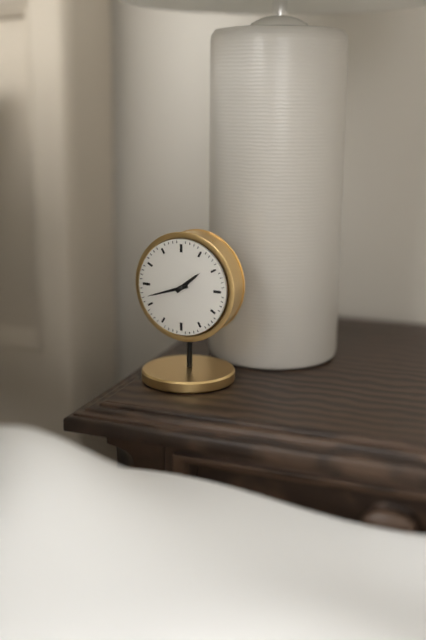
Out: h=1 m=42
